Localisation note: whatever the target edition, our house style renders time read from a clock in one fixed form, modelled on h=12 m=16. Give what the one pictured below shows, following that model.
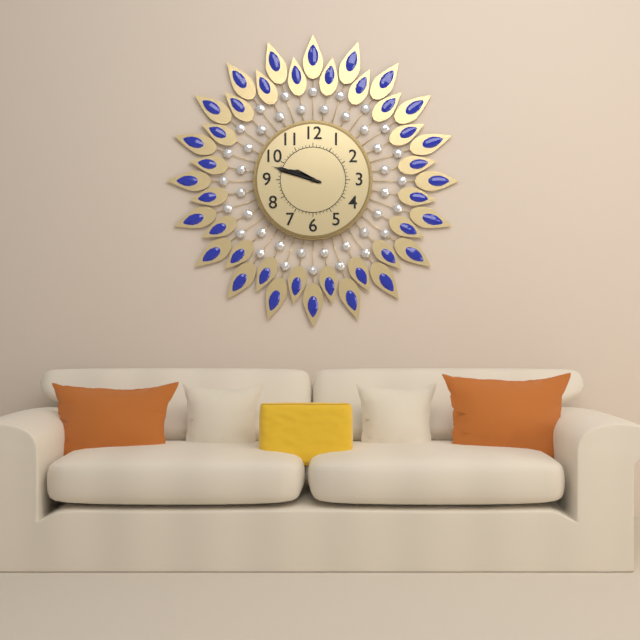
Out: h=9 m=48
